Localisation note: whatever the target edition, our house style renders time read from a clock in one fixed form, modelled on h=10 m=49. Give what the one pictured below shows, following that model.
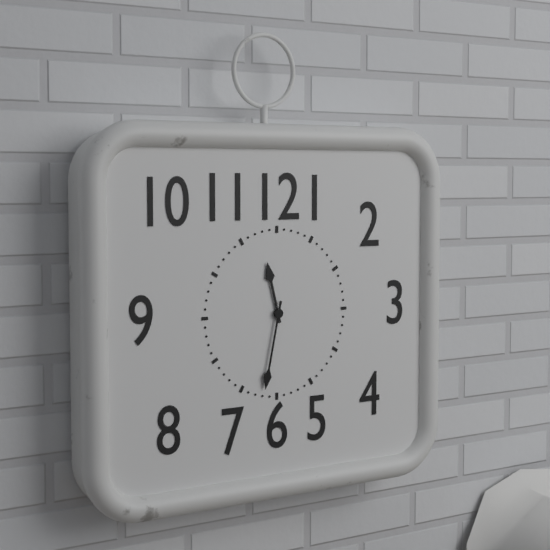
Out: h=11 m=32
